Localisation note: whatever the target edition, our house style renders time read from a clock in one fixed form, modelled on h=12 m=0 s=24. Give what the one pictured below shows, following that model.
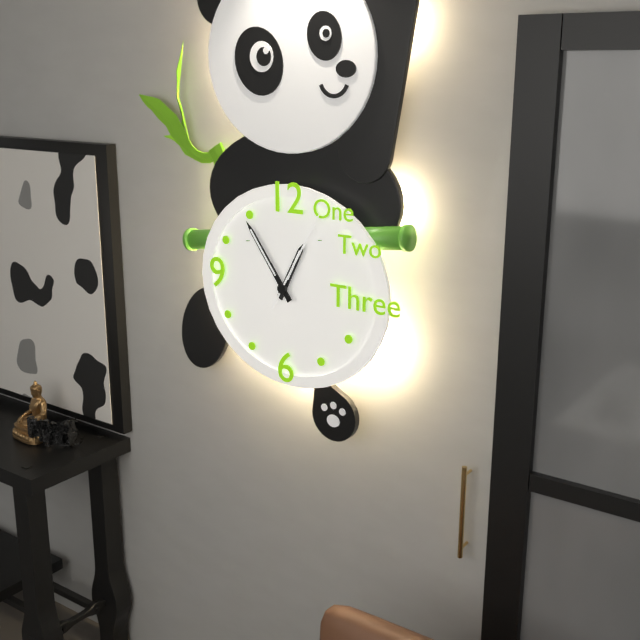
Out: h=12 m=54 s=5
